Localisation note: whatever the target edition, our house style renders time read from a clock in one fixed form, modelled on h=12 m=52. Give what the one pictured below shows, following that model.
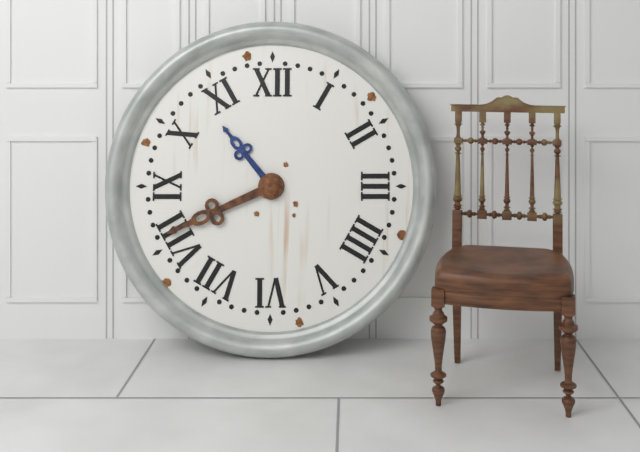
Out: h=10 m=41
